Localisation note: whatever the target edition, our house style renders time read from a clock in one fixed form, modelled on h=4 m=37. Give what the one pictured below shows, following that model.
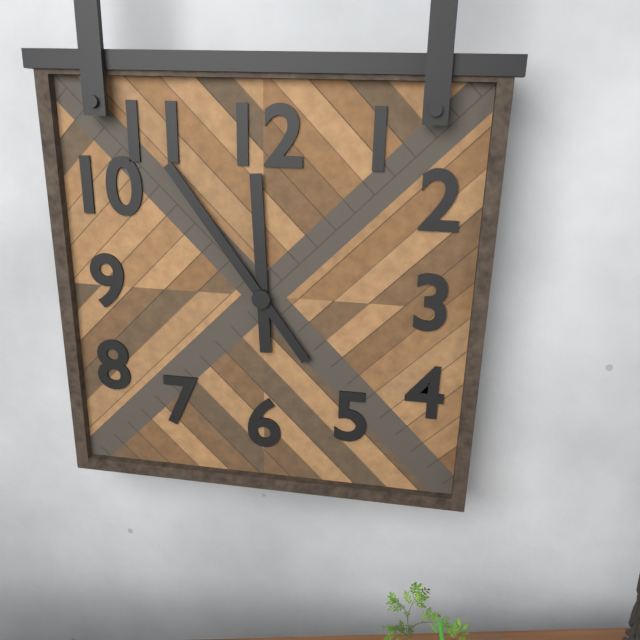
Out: h=11 m=54
